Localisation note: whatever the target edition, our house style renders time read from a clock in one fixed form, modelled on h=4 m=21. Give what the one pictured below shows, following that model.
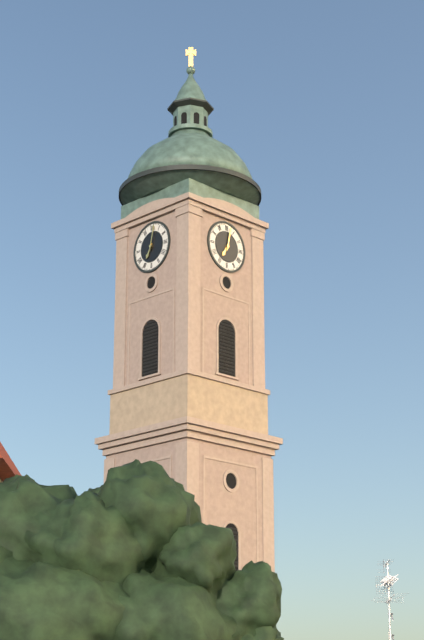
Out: h=7 m=2
